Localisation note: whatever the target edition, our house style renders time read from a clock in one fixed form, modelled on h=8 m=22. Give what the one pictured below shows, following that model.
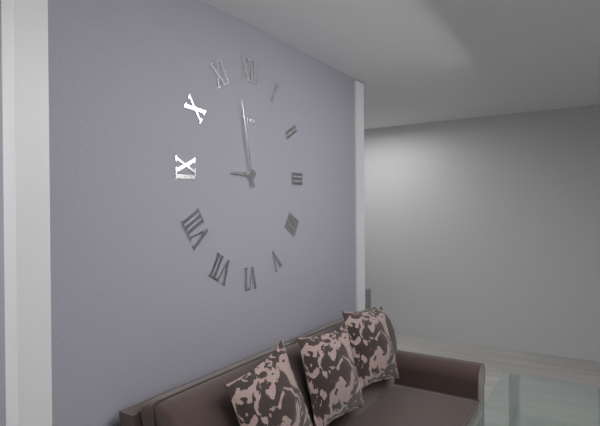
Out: h=8 m=58
